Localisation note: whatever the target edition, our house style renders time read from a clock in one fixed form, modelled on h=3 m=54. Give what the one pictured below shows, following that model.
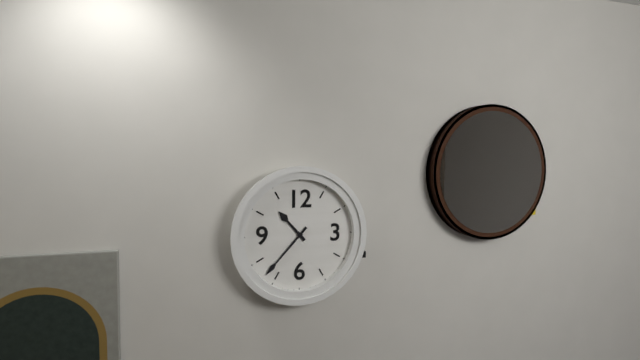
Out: h=10 m=37
